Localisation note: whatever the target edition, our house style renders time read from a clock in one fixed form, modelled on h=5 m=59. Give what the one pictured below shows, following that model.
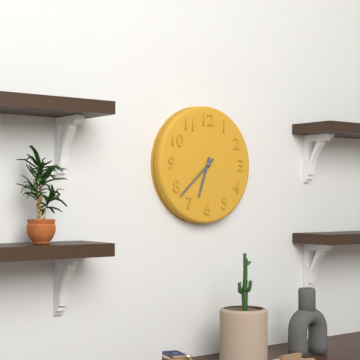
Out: h=6 m=38
